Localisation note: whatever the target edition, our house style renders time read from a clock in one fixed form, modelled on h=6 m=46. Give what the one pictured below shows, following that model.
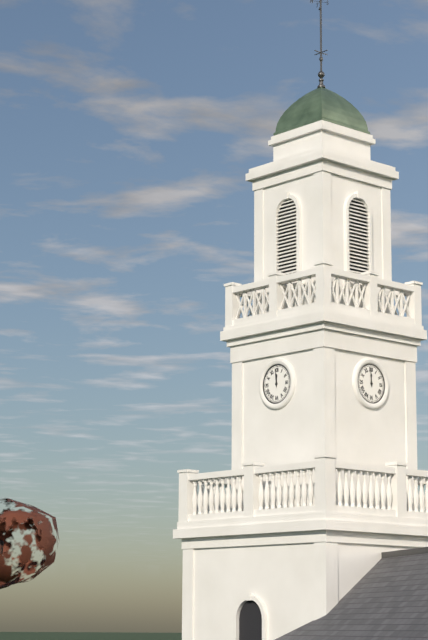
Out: h=11 m=59
